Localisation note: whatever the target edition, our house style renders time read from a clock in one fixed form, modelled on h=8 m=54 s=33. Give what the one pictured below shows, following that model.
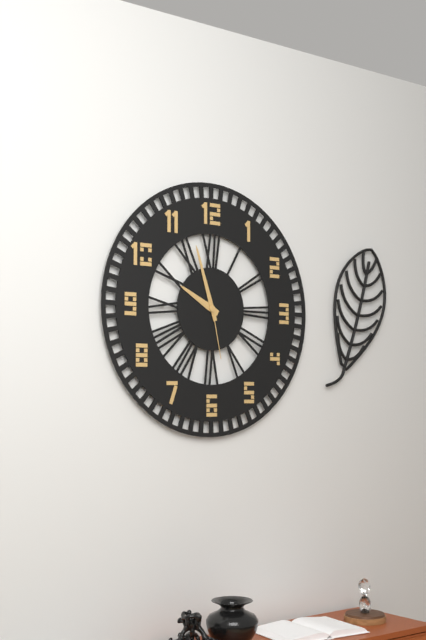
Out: h=9 m=57 s=28
